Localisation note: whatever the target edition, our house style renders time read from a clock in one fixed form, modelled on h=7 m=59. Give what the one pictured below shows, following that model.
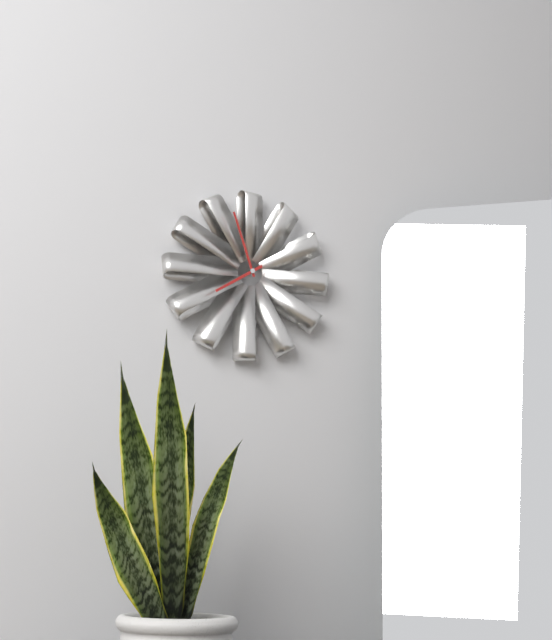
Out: h=7 m=57
